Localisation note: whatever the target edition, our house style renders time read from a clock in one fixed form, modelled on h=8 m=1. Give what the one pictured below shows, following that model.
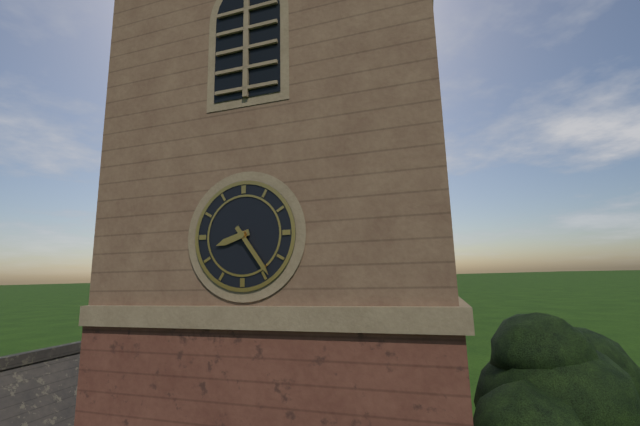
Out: h=8 m=24
